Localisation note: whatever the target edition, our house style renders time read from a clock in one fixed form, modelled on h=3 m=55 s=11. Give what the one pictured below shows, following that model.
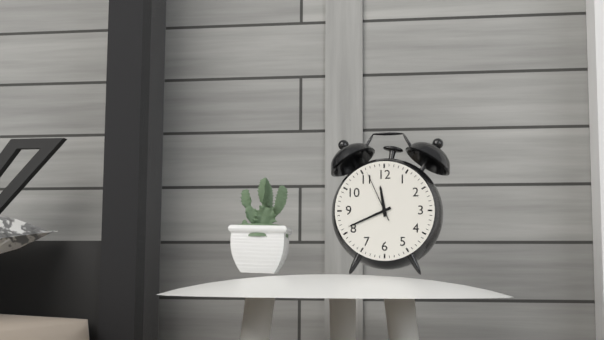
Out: h=11 m=41 s=56
